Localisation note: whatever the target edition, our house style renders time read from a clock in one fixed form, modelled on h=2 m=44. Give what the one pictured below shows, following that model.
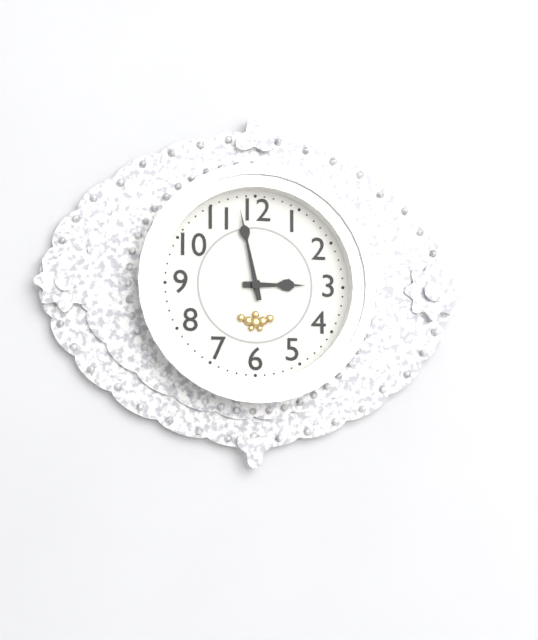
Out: h=2 m=58
